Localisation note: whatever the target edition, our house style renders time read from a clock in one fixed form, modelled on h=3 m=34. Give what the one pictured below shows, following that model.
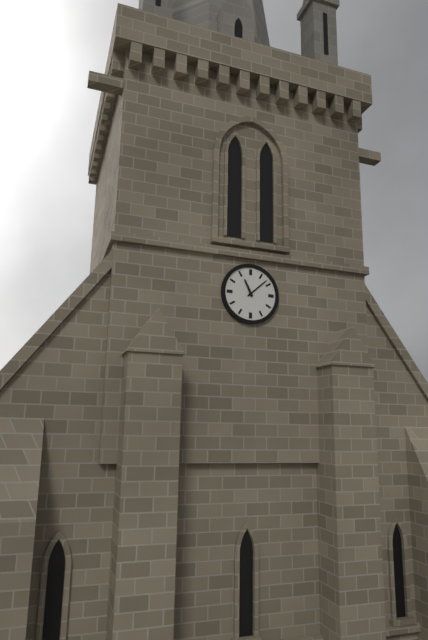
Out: h=11 m=8
